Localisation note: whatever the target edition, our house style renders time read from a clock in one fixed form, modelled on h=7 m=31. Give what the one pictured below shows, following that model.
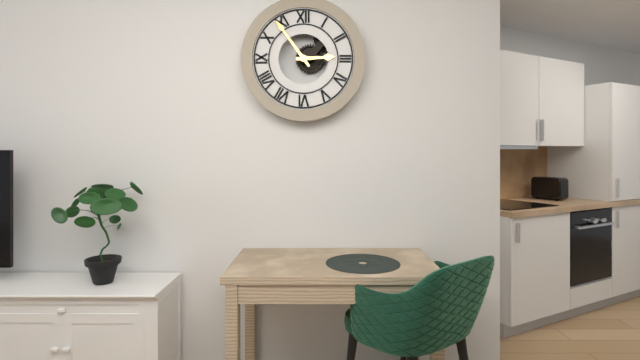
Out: h=2 m=54
